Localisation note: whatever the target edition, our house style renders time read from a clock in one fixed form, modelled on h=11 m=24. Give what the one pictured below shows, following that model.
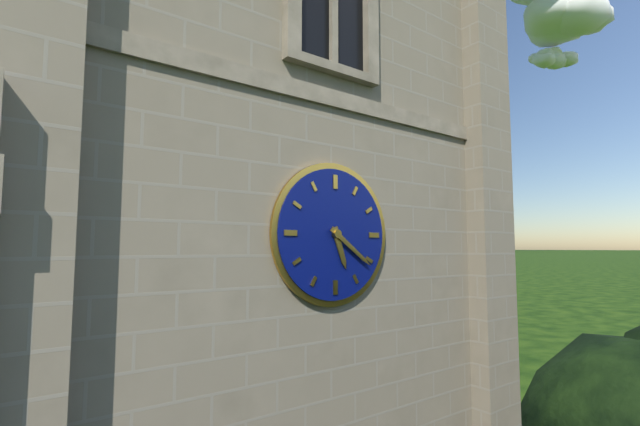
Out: h=5 m=21
